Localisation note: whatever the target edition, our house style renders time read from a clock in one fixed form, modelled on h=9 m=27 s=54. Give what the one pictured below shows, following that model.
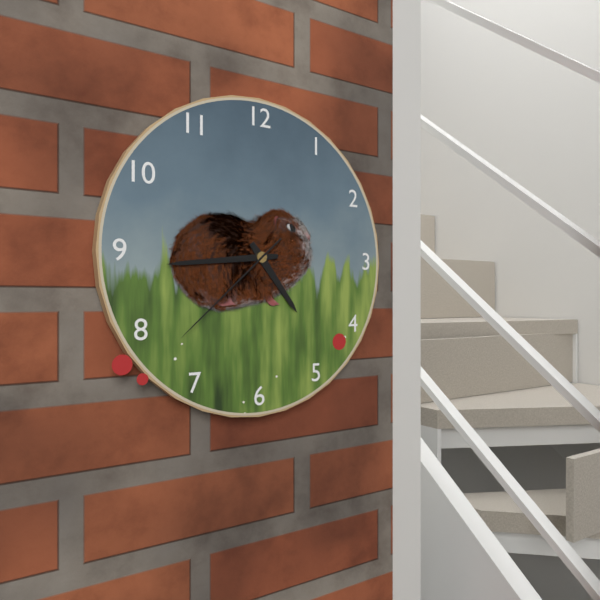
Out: h=4 m=44 s=38
